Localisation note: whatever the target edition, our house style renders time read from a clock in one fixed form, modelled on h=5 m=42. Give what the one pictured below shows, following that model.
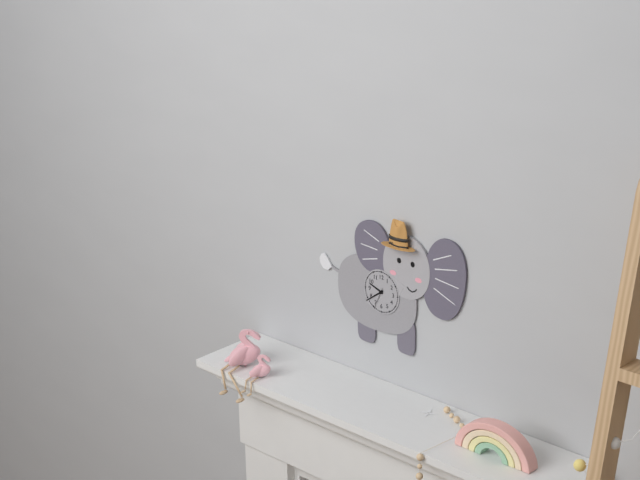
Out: h=9 m=39
